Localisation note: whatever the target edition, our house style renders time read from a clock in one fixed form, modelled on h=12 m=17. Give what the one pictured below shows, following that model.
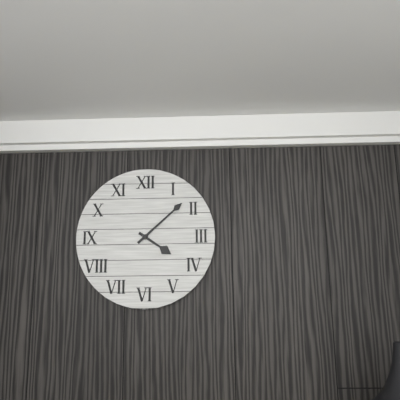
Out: h=4 m=8
